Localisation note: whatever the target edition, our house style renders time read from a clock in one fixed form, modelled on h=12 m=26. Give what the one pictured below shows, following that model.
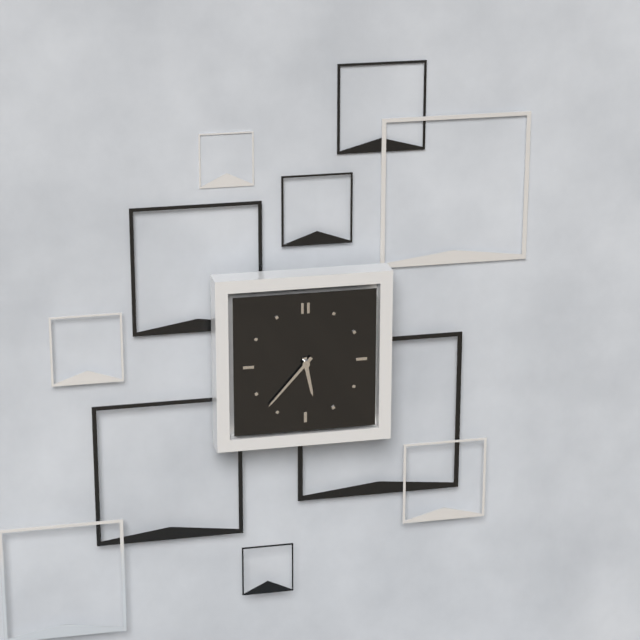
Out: h=5 m=37
